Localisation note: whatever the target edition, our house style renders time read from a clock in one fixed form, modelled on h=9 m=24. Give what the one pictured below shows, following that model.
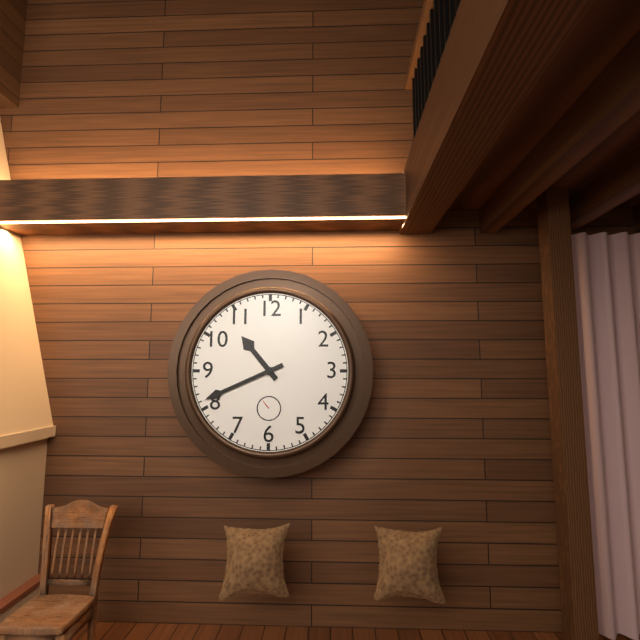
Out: h=10 m=41
